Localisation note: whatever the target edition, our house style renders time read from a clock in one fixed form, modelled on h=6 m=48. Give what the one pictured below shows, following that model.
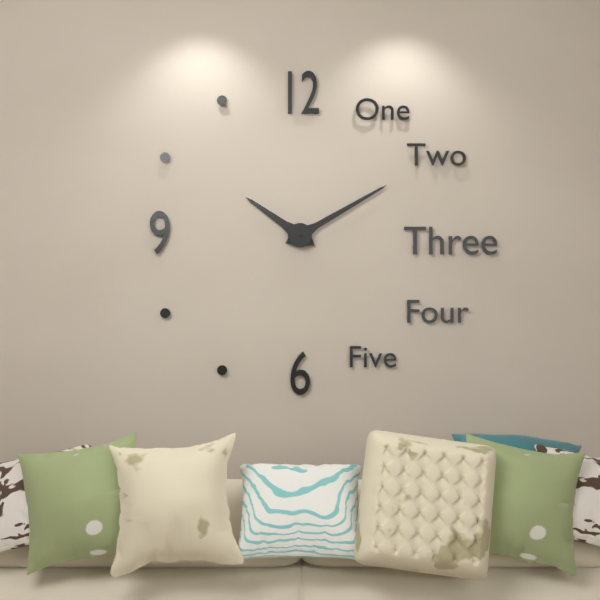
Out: h=10 m=10
